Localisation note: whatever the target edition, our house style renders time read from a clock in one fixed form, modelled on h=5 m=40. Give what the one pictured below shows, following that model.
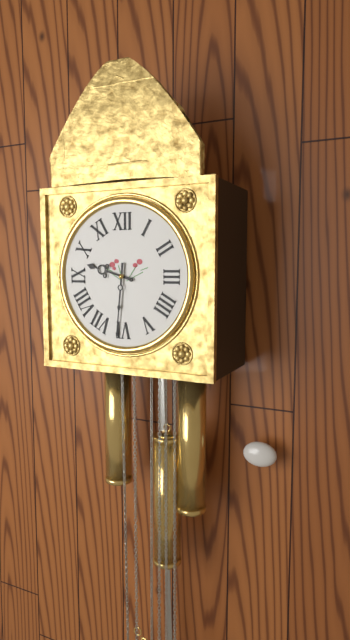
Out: h=9 m=31
